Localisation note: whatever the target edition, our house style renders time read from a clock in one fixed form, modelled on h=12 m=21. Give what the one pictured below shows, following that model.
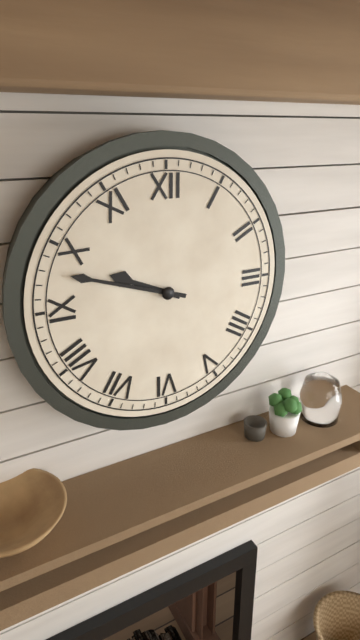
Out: h=9 m=48
